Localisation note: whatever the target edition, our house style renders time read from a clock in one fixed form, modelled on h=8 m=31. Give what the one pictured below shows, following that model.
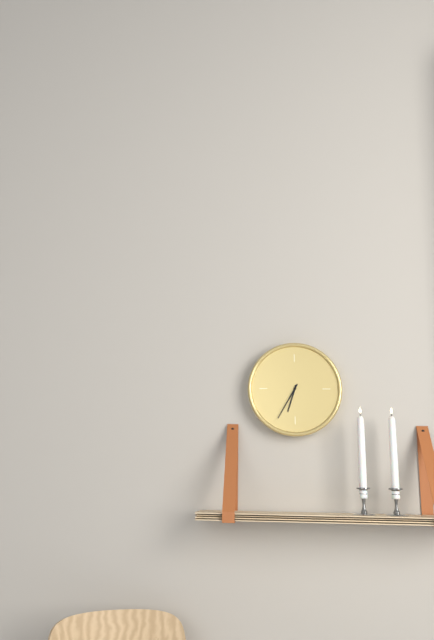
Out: h=6 m=35
